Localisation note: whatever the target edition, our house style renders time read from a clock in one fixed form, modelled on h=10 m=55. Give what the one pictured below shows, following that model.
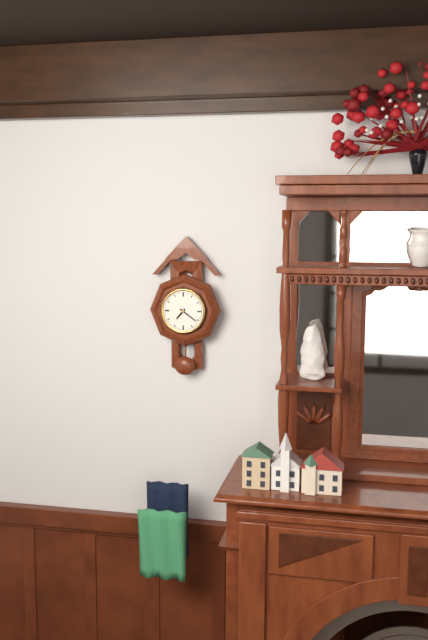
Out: h=7 m=21
